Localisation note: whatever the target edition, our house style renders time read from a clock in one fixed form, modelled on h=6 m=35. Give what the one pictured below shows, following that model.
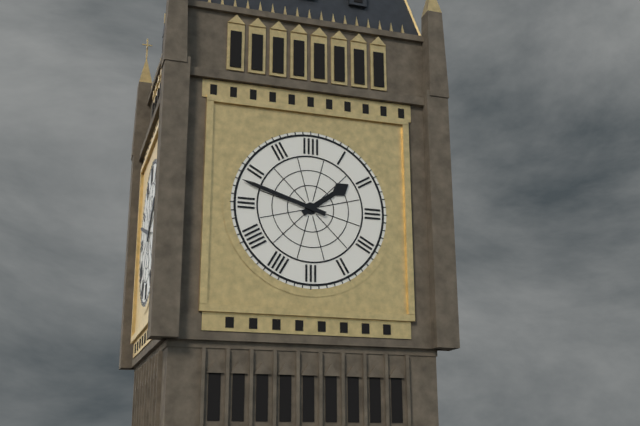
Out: h=1 m=48
